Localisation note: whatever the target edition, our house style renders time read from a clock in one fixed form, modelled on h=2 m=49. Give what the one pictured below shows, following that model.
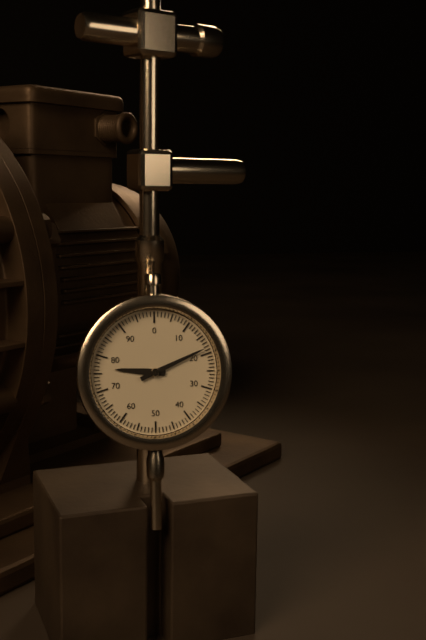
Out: h=9 m=11
